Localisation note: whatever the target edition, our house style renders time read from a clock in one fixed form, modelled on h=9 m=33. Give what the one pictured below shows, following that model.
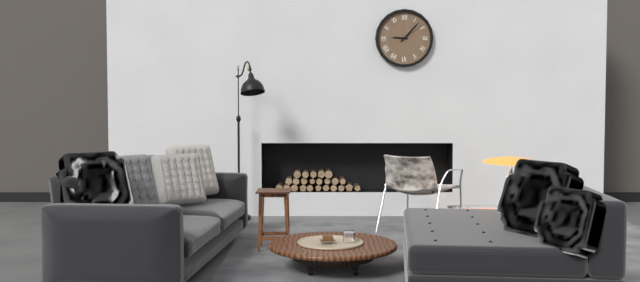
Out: h=9 m=7
